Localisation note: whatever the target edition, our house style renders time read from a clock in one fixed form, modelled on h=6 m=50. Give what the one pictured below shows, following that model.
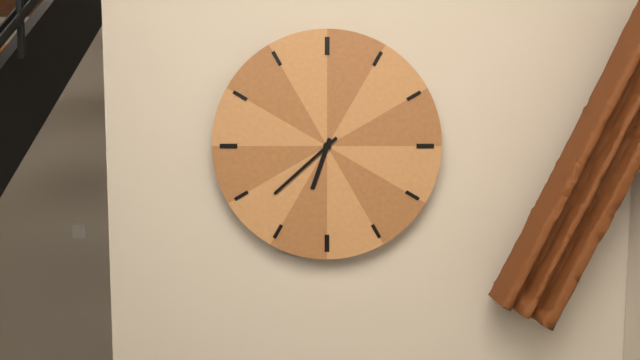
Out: h=6 m=38
